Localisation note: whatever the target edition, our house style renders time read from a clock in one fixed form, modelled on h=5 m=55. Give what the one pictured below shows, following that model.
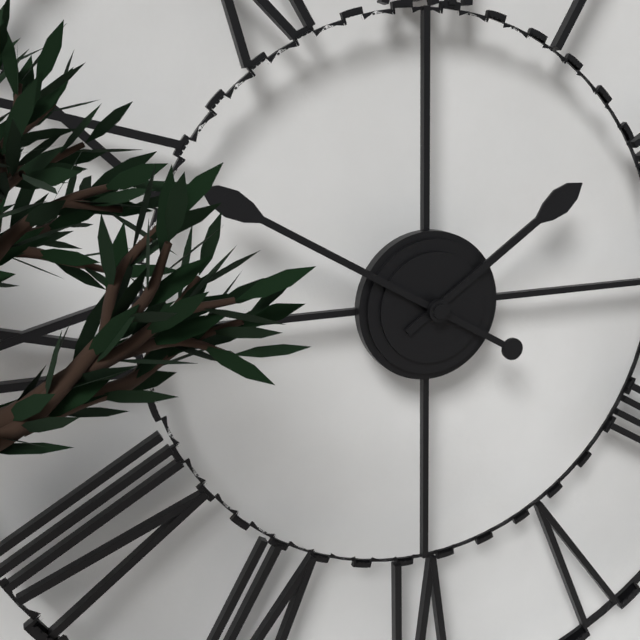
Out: h=1 m=50
